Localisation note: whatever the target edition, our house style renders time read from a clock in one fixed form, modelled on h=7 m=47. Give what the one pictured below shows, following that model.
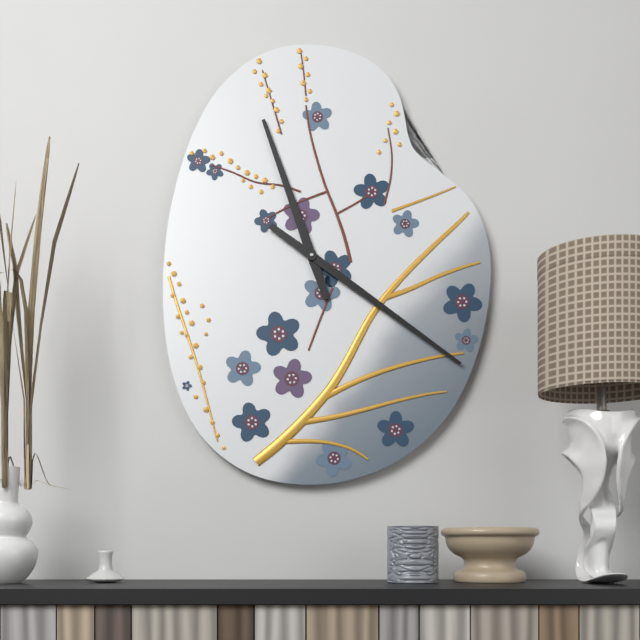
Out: h=11 m=21
